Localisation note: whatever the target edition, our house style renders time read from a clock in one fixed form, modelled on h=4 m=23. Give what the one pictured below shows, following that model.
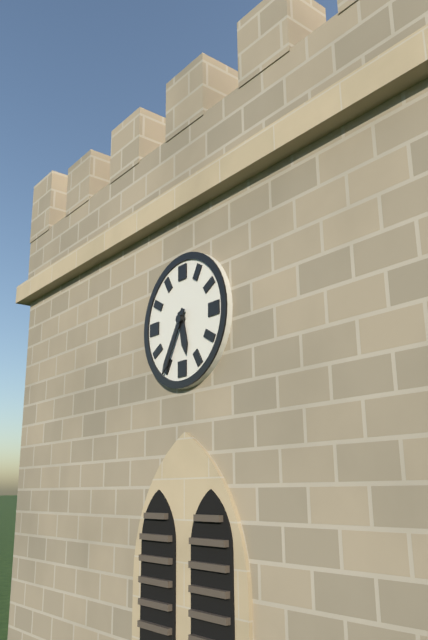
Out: h=5 m=35
